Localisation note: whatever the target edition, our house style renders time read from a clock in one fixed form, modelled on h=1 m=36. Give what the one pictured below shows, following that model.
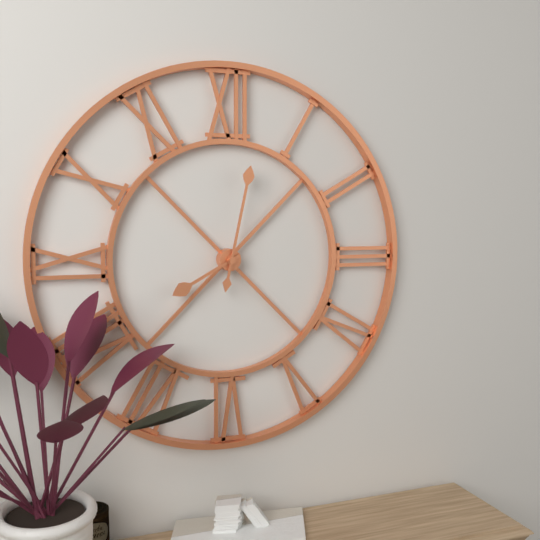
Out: h=8 m=2
